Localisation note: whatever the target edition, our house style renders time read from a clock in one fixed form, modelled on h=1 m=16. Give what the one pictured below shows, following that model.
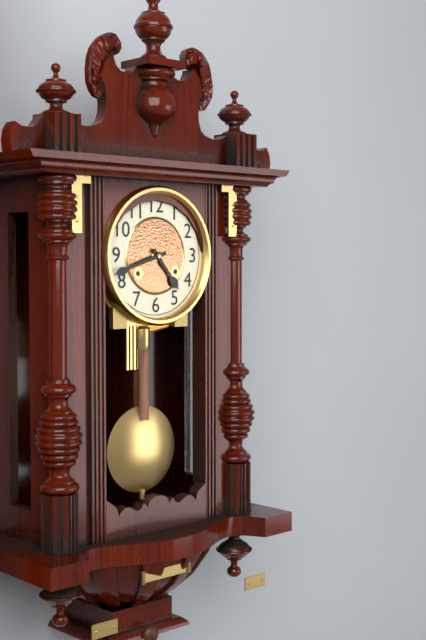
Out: h=4 m=42
